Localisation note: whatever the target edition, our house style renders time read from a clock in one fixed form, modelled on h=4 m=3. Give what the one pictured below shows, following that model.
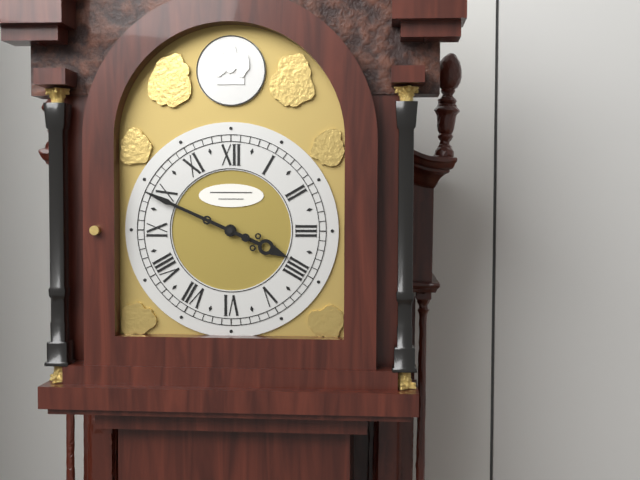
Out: h=3 m=49
